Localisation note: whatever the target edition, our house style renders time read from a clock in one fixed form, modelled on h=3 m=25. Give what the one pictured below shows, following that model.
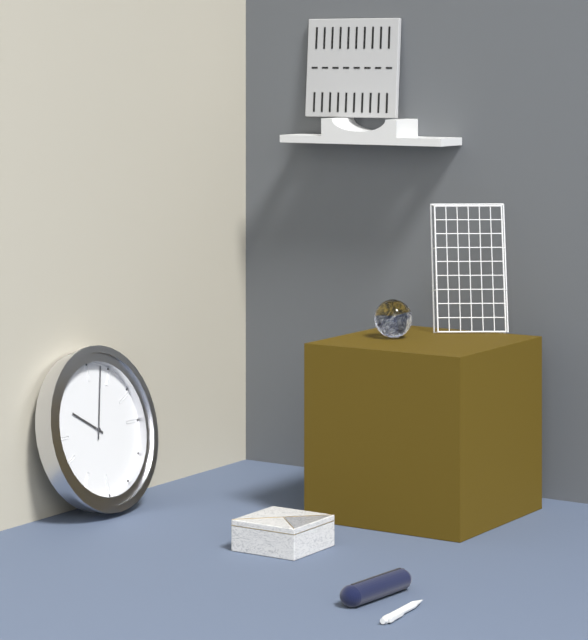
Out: h=10 m=3
